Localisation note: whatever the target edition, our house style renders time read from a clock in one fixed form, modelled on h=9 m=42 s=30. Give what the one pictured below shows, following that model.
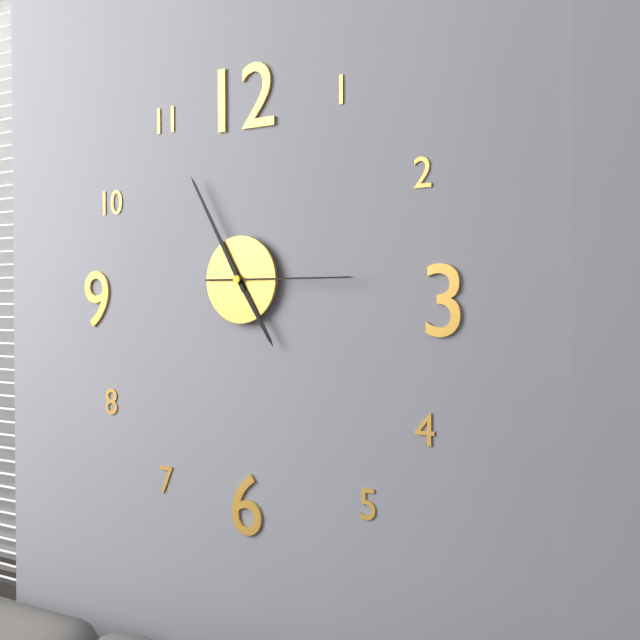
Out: h=4 m=55 s=15
